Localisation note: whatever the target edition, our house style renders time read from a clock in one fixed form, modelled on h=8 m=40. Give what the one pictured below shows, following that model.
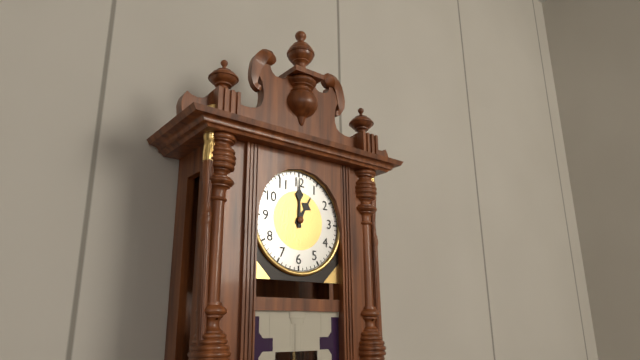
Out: h=1 m=0
